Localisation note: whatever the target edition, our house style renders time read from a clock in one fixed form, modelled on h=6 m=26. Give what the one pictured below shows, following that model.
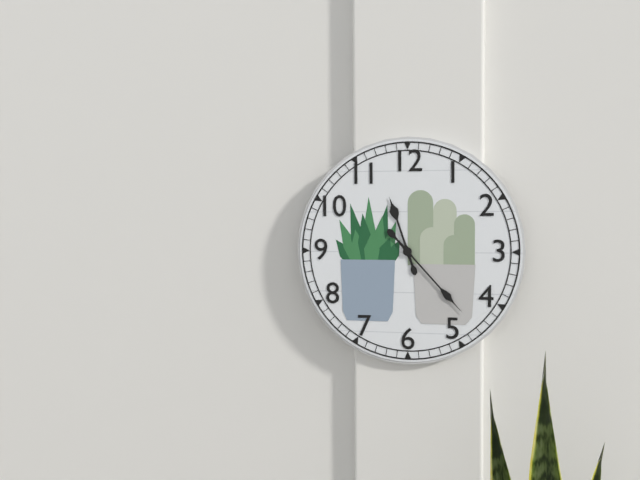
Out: h=11 m=23
